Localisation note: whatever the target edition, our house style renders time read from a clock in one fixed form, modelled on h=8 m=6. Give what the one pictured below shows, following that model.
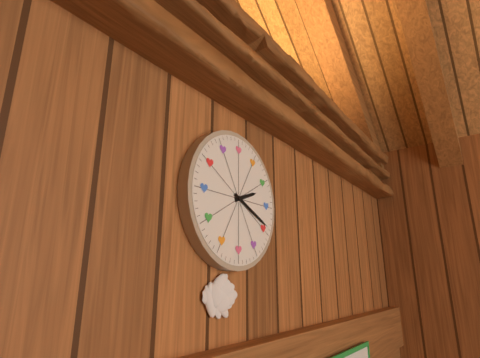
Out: h=2 m=19
